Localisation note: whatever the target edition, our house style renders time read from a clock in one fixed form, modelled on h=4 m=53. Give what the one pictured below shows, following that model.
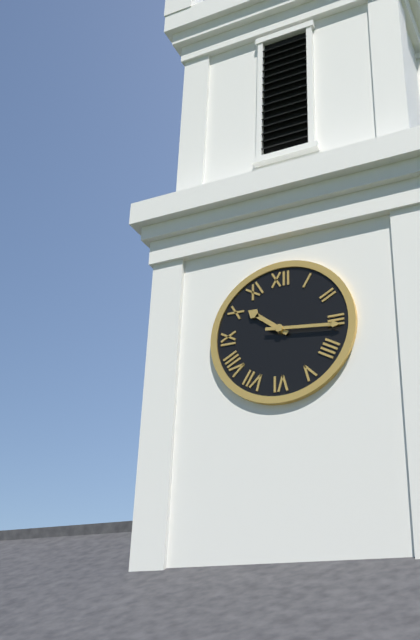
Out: h=10 m=16
